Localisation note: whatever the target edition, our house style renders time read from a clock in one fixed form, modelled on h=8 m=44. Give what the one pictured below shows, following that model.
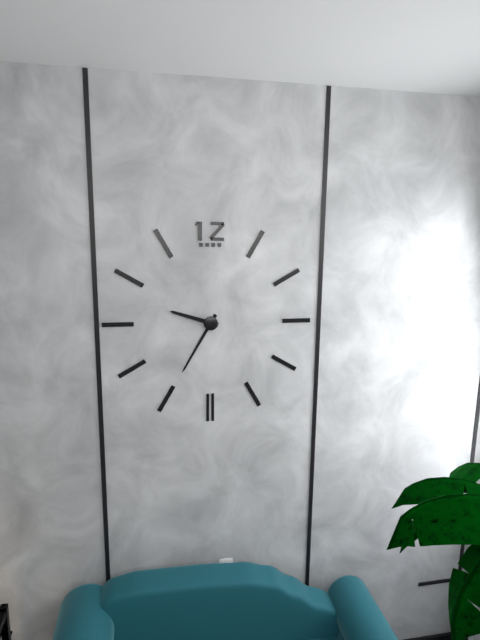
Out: h=9 m=35
